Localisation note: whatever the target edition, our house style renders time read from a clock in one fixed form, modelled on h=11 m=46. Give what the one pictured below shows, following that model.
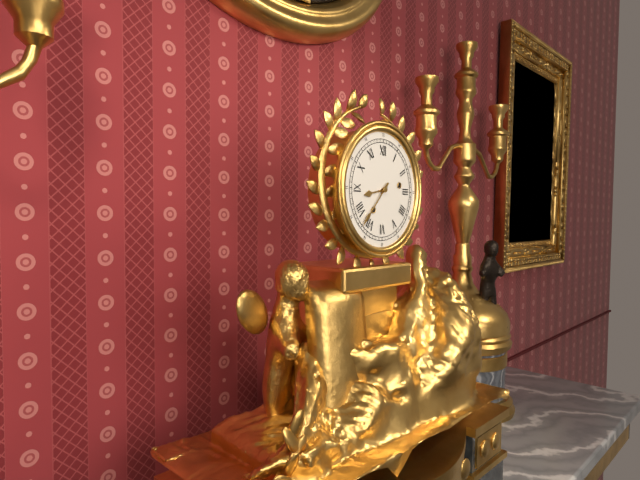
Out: h=8 m=37
